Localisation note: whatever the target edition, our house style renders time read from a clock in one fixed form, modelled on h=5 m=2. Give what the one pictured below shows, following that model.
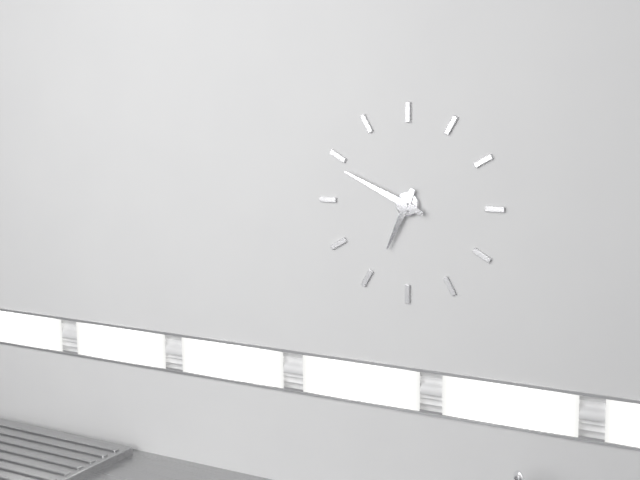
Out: h=6 m=49
